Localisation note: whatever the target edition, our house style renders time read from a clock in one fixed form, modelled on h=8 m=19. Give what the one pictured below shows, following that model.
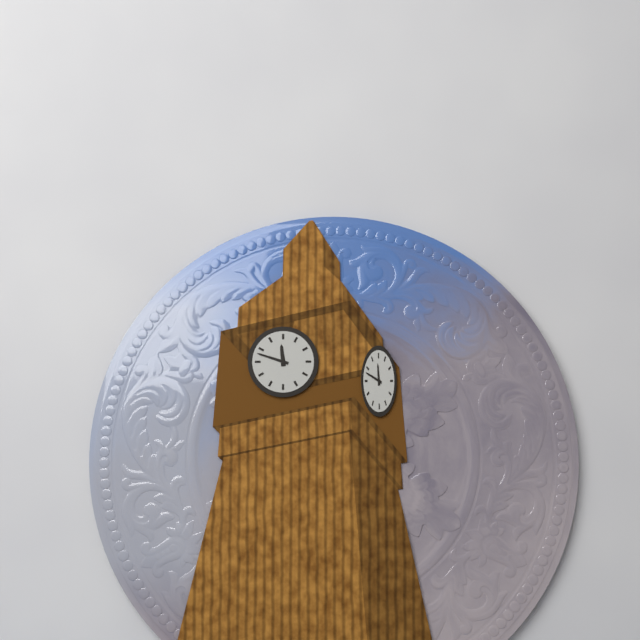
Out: h=11 m=48
